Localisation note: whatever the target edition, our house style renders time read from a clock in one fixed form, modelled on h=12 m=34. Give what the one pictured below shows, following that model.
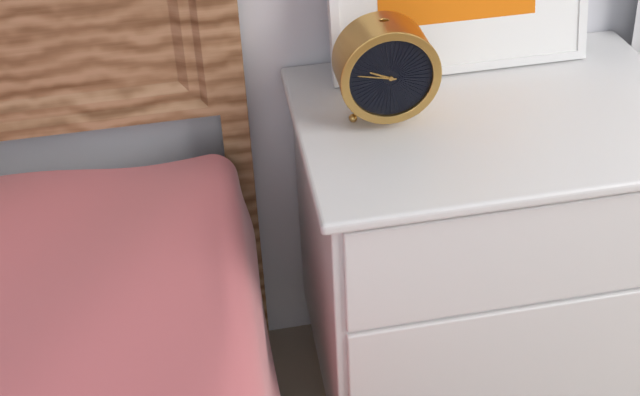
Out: h=9 m=47
